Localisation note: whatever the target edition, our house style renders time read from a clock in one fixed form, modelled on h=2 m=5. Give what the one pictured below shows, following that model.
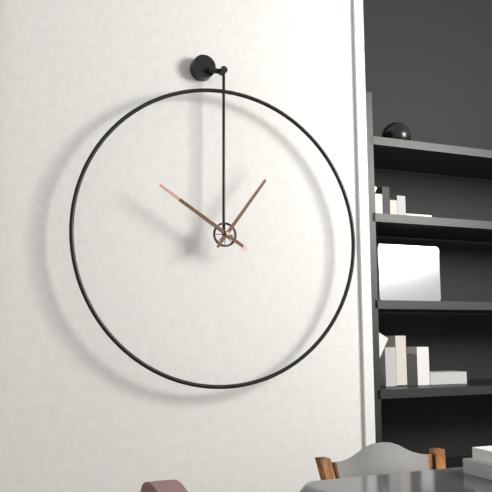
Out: h=10 m=6
